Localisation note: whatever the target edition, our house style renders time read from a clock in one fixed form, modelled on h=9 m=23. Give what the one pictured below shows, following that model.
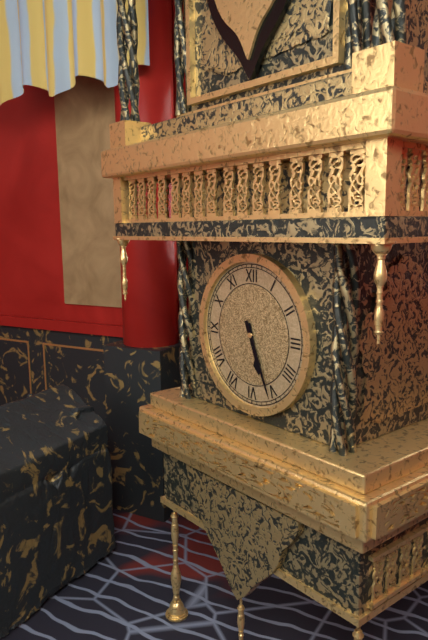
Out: h=5 m=26
